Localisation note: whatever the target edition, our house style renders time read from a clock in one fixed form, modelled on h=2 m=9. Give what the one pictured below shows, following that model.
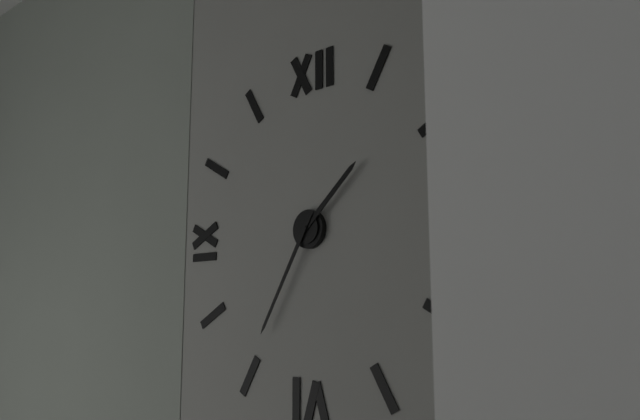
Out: h=1 m=35
